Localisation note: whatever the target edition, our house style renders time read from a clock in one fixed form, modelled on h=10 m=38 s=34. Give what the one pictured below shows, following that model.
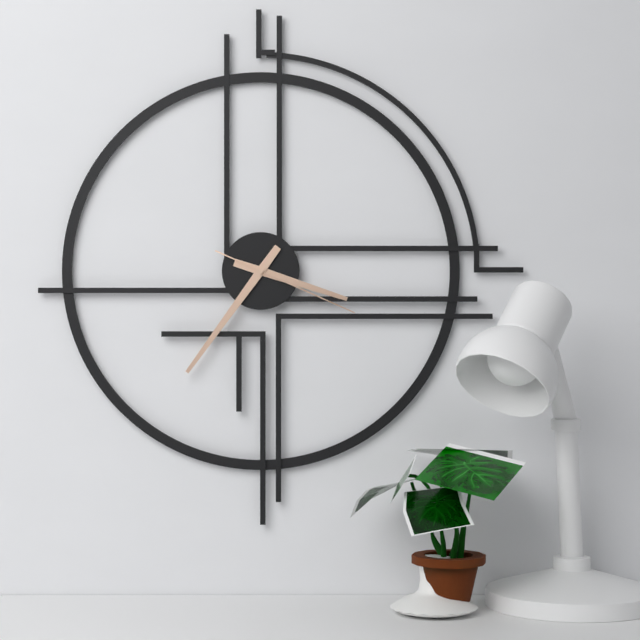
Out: h=3 m=36 s=19
